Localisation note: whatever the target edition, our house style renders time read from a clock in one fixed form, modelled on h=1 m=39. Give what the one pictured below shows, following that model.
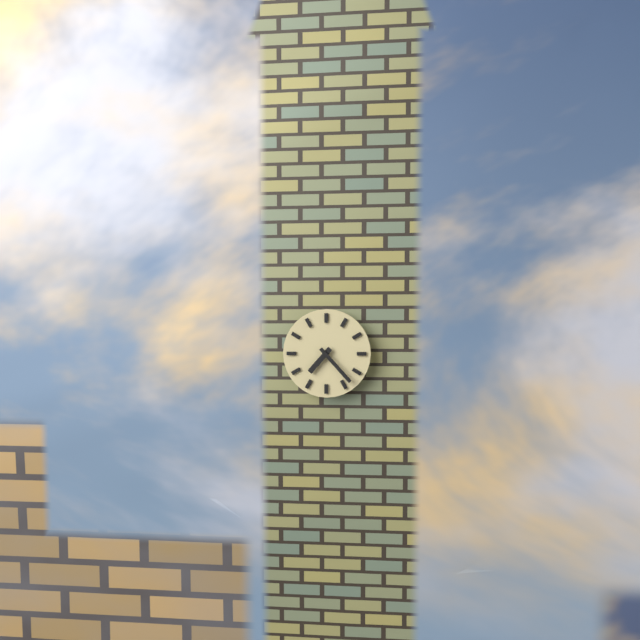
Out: h=7 m=23
